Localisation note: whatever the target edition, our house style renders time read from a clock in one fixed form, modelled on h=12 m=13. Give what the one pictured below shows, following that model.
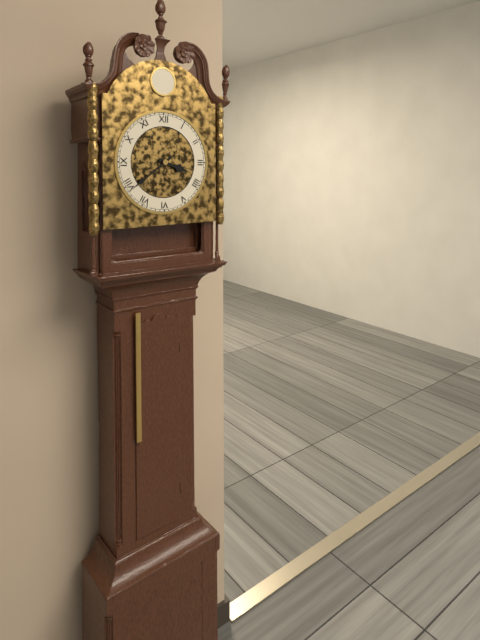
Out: h=3 m=39
